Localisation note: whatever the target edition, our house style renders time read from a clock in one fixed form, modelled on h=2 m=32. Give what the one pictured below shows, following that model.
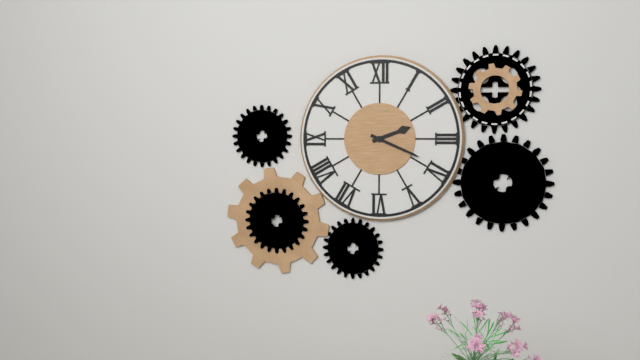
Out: h=2 m=19
